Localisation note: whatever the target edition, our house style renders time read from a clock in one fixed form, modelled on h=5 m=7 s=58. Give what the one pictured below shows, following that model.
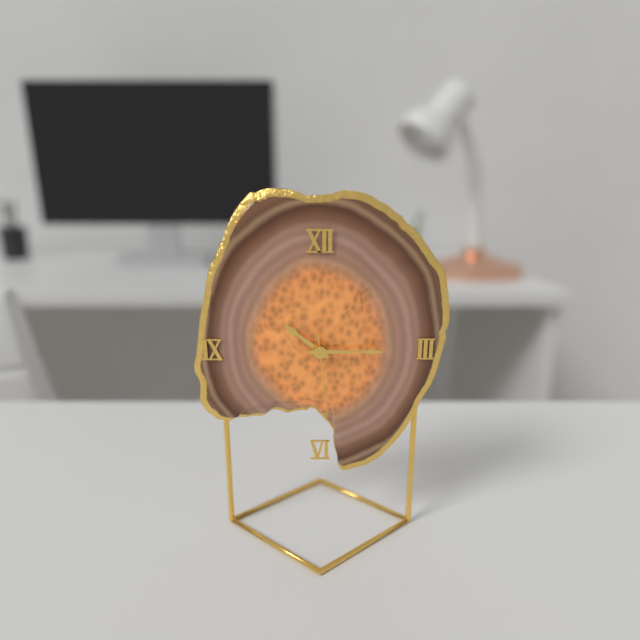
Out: h=10 m=15 s=29
